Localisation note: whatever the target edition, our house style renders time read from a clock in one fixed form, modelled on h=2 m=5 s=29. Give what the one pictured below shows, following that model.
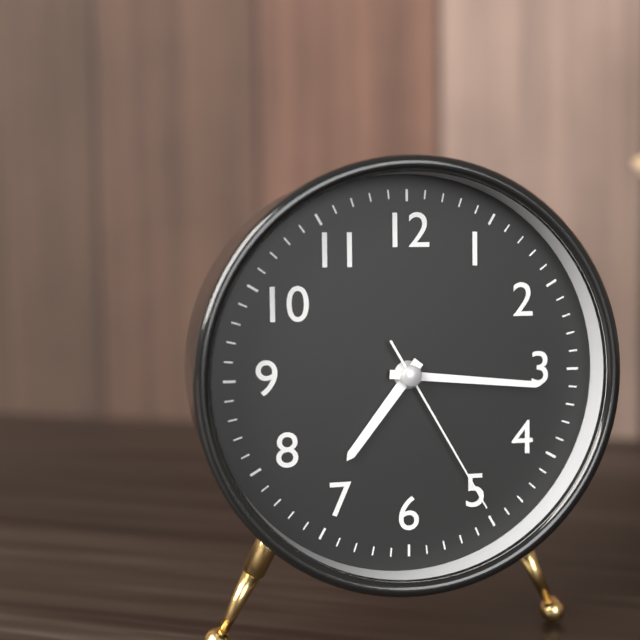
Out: h=7 m=16 s=25
